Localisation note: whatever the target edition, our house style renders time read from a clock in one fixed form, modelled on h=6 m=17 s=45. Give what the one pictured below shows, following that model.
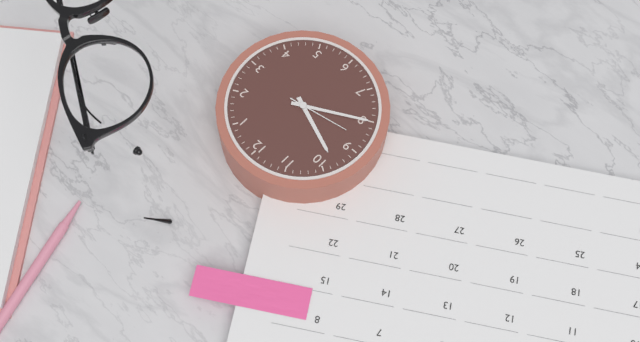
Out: h=9 m=40 s=43
